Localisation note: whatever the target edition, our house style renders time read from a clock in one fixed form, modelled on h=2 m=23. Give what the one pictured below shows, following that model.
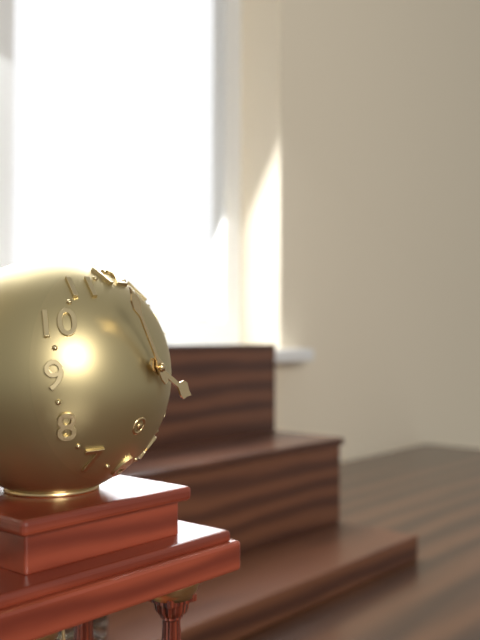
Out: h=3 m=55
